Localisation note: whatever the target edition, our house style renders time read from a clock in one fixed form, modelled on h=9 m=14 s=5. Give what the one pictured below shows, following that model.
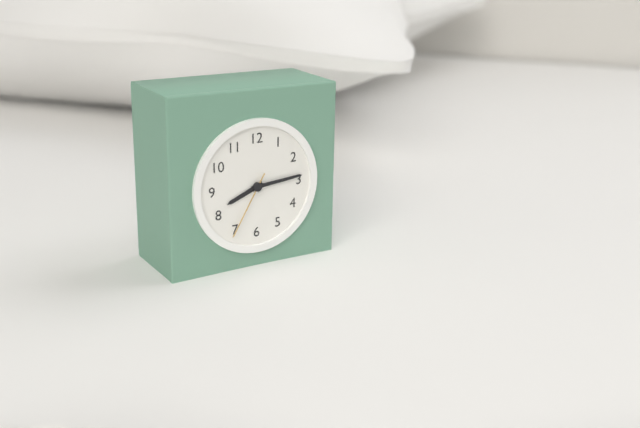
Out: h=8 m=14 s=35
